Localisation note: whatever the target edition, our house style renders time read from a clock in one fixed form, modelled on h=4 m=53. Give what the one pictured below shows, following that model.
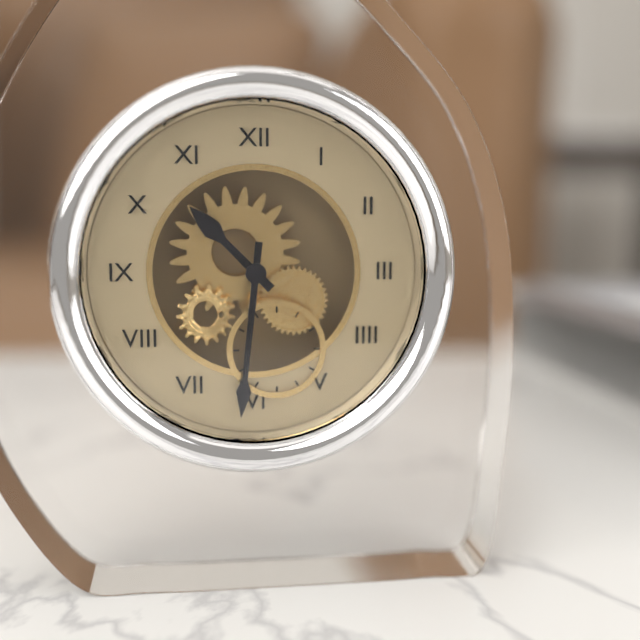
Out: h=10 m=31
